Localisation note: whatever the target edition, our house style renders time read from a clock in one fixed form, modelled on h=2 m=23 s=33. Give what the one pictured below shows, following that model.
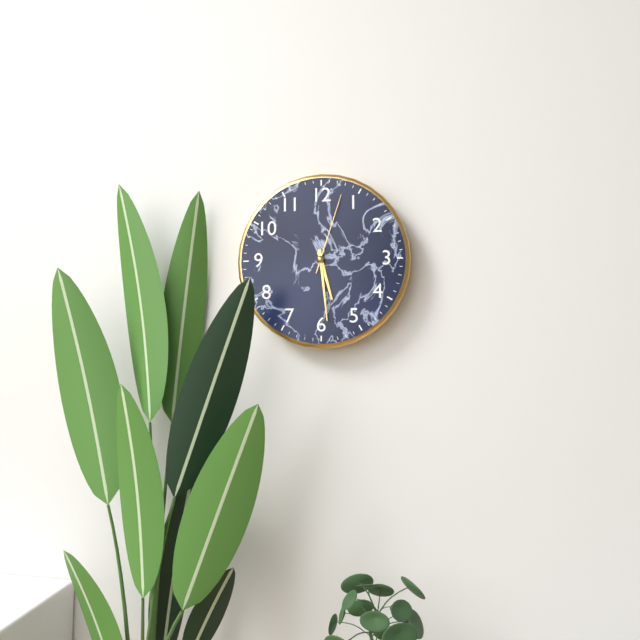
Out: h=5 m=29 s=3
